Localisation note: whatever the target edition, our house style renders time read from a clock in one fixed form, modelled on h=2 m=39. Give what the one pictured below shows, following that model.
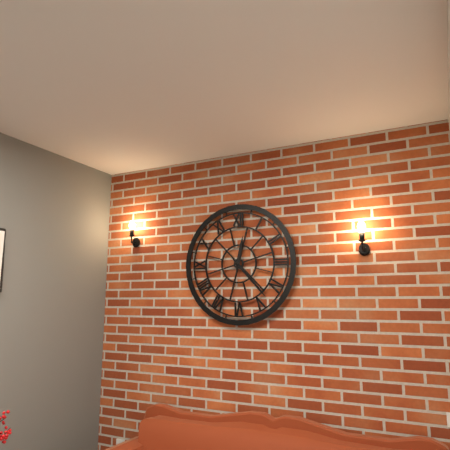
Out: h=12 m=23
